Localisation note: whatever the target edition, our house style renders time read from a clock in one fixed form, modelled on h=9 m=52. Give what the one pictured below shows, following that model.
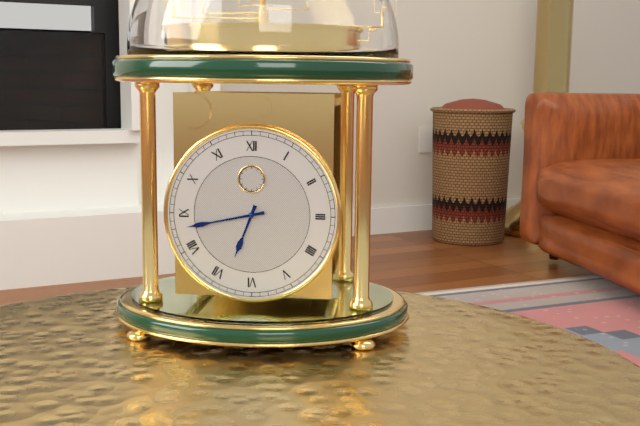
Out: h=6 m=43
